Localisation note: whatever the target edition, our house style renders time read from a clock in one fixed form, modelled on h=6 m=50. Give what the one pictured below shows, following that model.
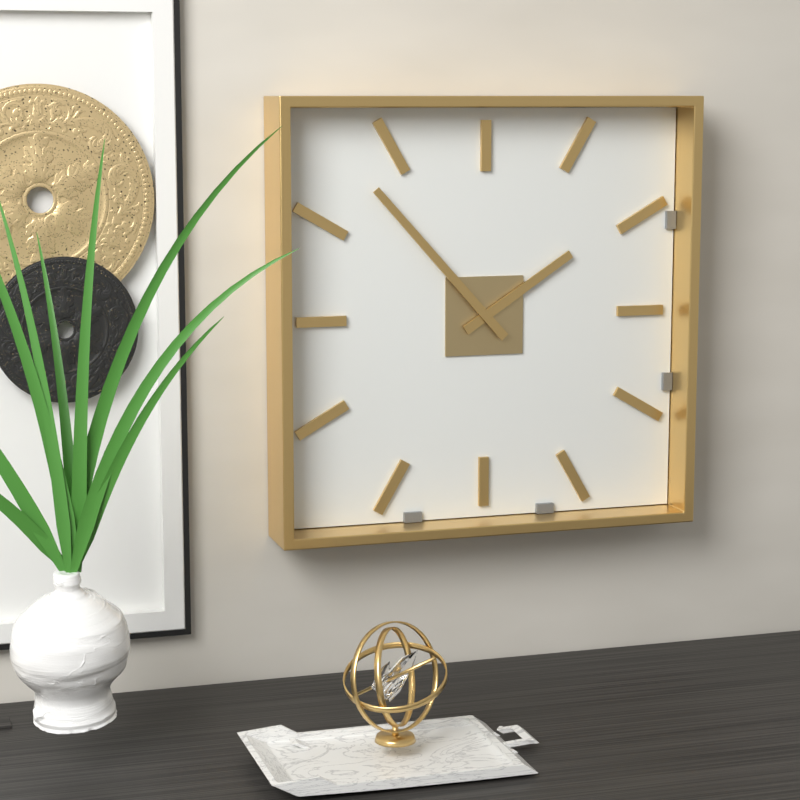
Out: h=1 m=53
